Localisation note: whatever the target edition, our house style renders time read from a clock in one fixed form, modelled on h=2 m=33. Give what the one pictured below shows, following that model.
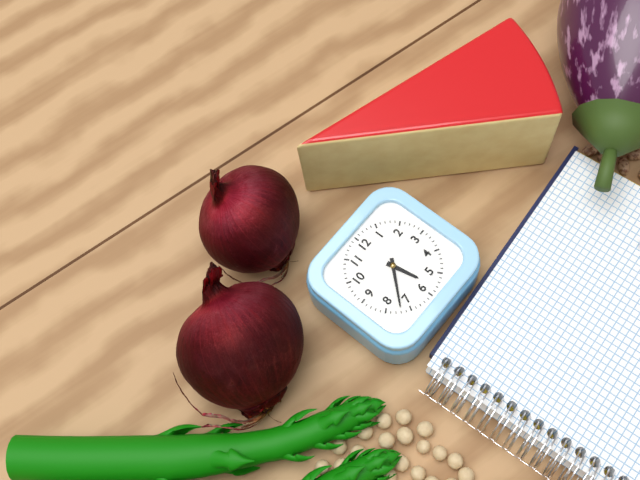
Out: h=5 m=37
